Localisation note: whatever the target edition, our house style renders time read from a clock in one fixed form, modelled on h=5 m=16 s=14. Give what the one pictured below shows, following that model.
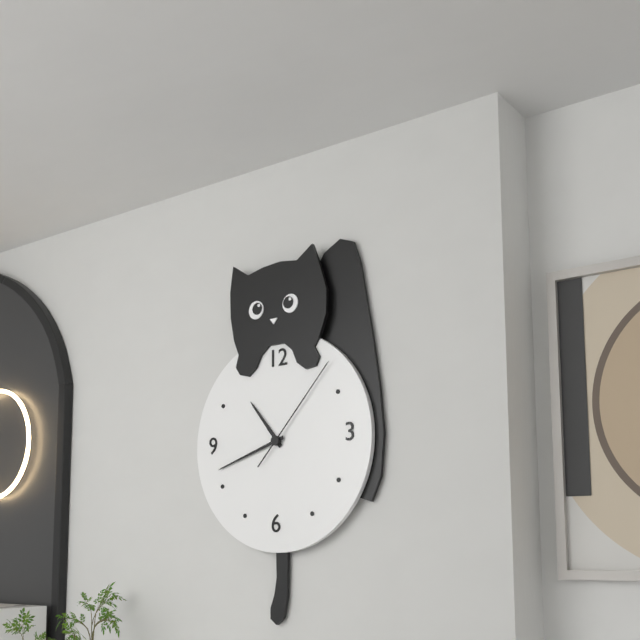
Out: h=10 m=42 s=7
